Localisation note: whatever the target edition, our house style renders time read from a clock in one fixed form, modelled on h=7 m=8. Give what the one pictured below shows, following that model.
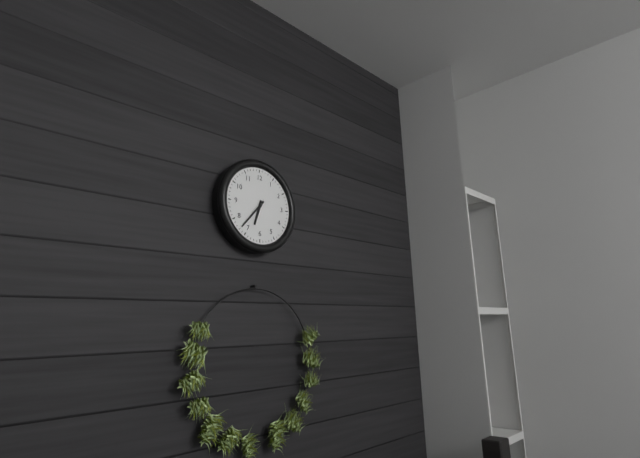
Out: h=6 m=37
